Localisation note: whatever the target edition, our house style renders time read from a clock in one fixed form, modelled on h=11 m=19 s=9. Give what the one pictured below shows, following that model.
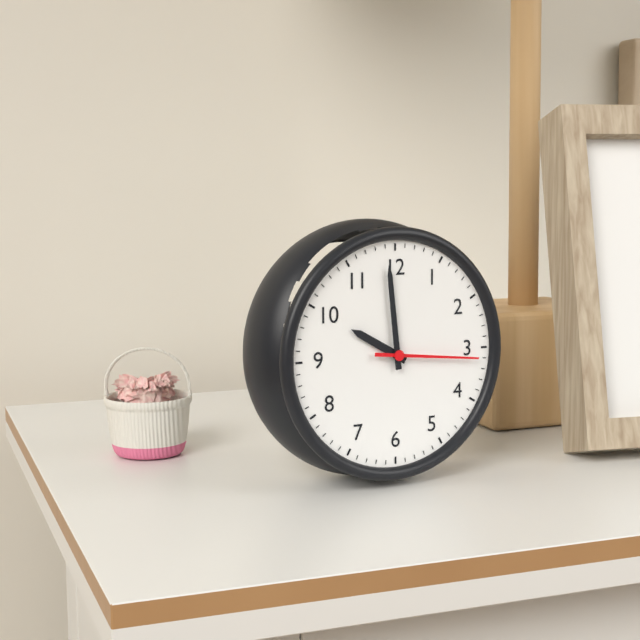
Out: h=9 m=59 s=16
